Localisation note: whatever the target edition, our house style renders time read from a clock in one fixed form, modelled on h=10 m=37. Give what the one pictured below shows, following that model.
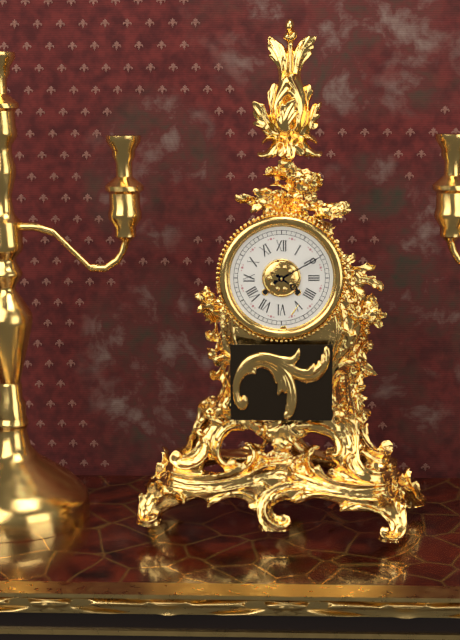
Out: h=4 m=10
